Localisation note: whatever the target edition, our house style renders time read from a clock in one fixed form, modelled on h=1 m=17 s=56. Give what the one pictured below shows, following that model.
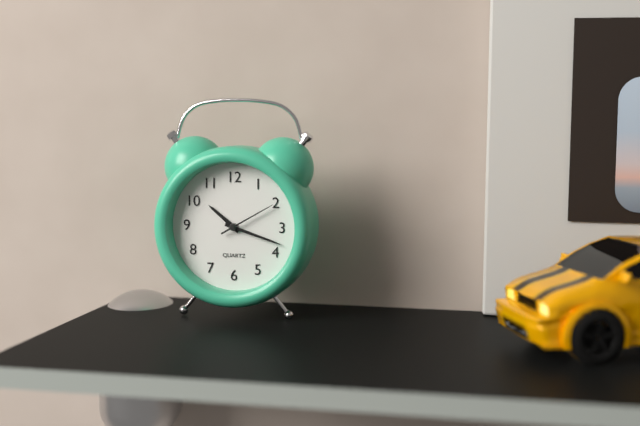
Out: h=10 m=18 s=10
